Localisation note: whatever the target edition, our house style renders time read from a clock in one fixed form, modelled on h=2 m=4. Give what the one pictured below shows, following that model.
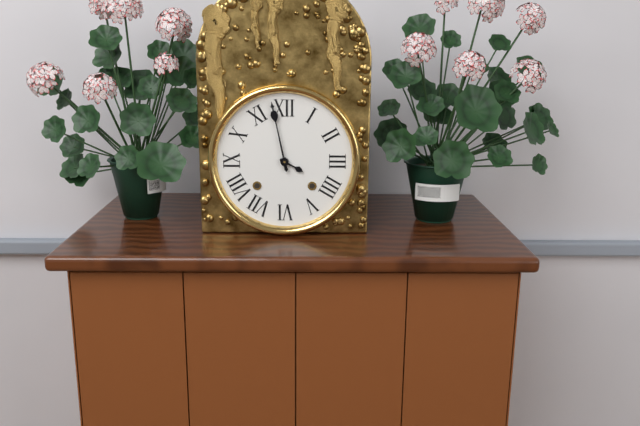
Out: h=3 m=58
